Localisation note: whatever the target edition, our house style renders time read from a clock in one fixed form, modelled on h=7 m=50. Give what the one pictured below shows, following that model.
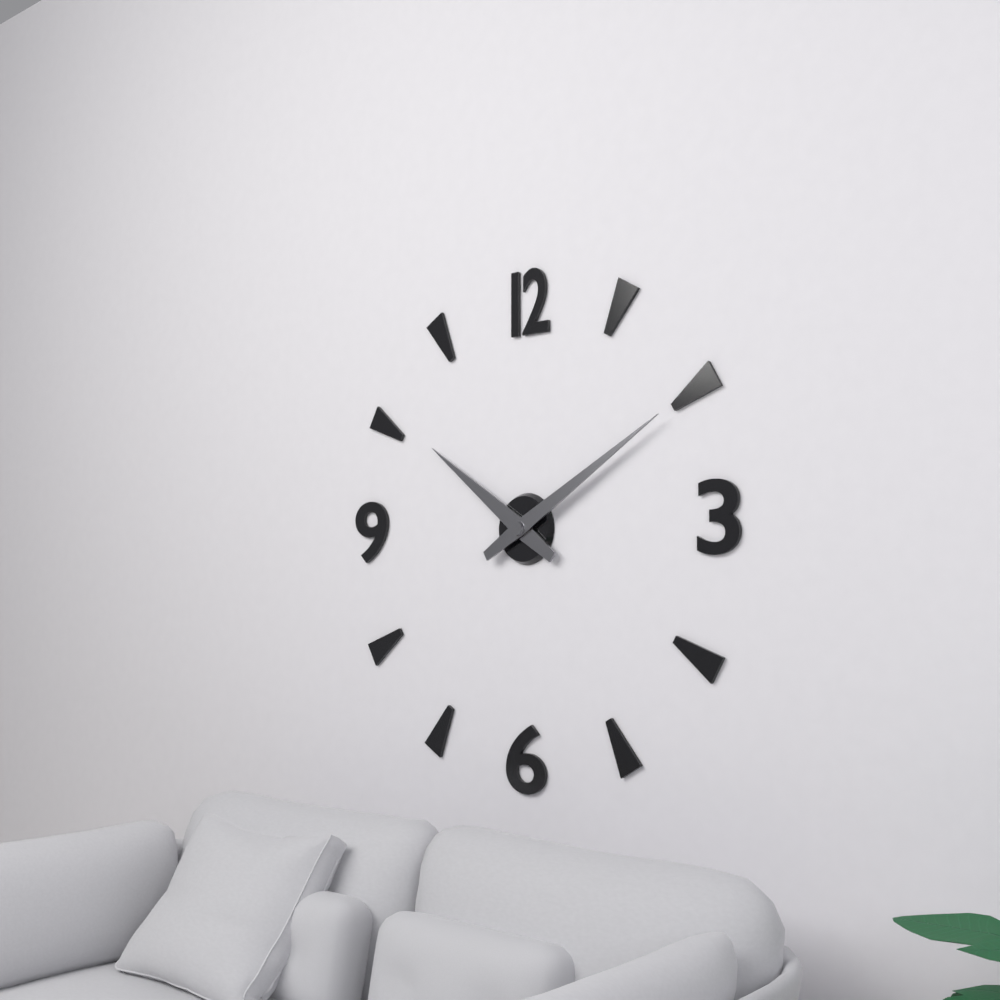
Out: h=10 m=10
